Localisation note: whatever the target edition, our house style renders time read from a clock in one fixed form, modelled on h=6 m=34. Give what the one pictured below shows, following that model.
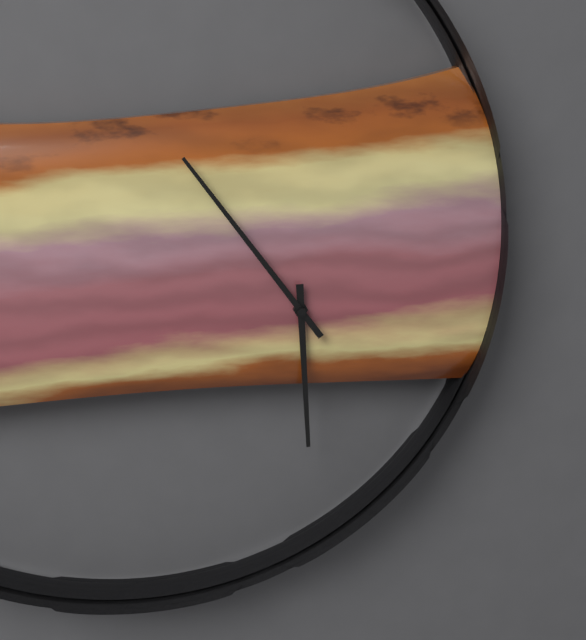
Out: h=5 m=54
